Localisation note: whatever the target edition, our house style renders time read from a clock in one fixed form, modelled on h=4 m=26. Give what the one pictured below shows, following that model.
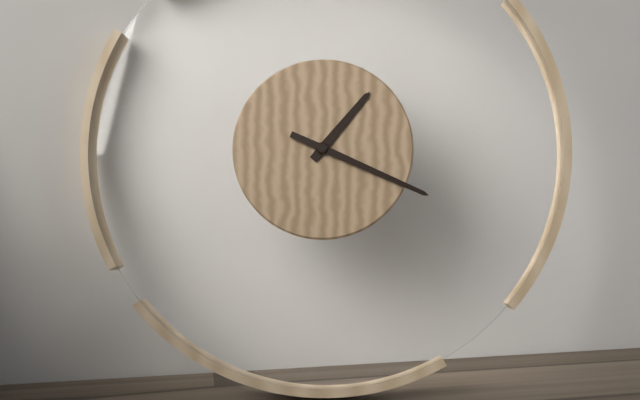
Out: h=1 m=19
